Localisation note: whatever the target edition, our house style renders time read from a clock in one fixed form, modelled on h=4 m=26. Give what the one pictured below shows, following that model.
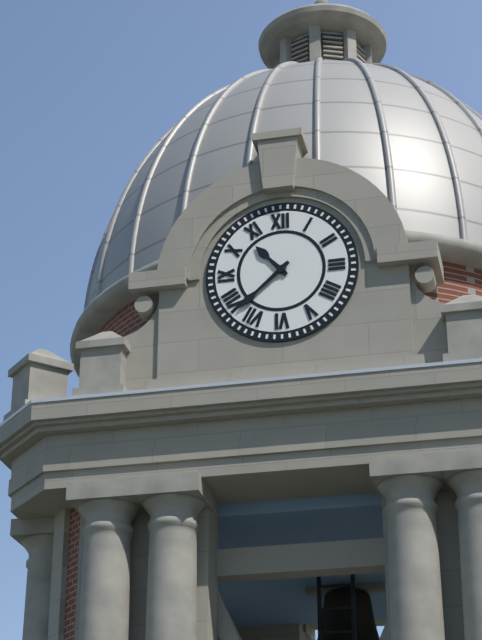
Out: h=10 m=38
